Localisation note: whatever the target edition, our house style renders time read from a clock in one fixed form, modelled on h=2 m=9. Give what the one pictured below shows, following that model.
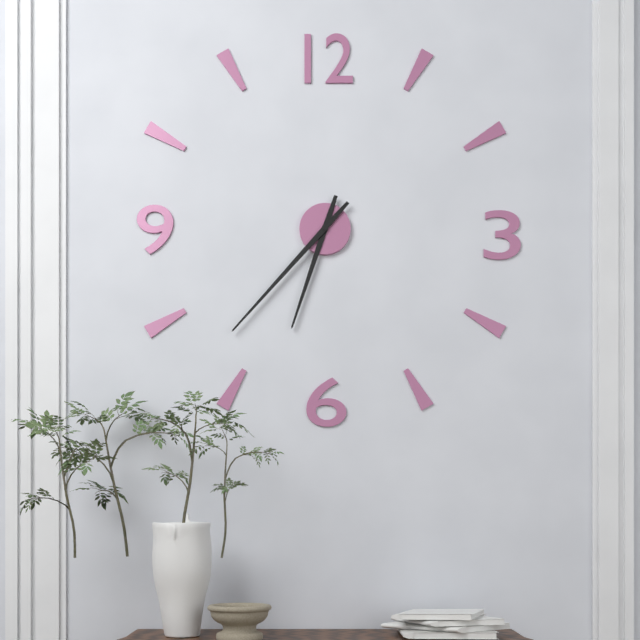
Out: h=6 m=37
